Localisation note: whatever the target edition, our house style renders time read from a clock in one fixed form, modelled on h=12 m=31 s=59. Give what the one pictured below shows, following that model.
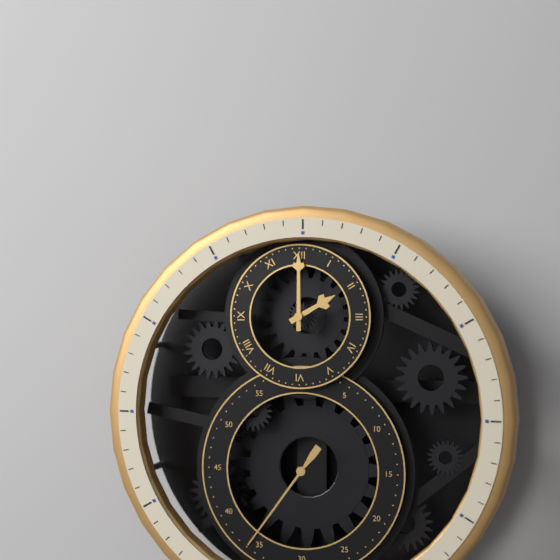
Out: h=2 m=0 s=36
